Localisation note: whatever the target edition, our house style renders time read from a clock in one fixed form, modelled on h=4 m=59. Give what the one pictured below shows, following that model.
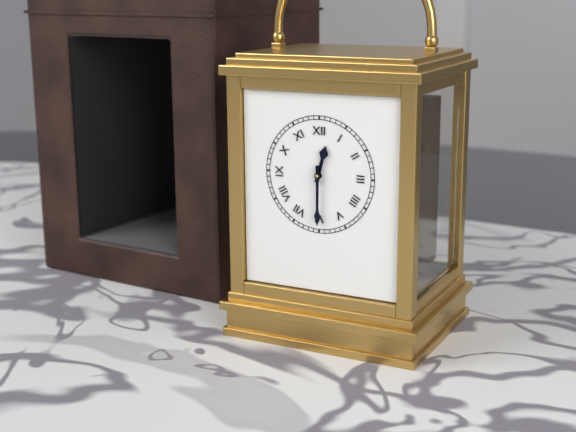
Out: h=12 m=30
